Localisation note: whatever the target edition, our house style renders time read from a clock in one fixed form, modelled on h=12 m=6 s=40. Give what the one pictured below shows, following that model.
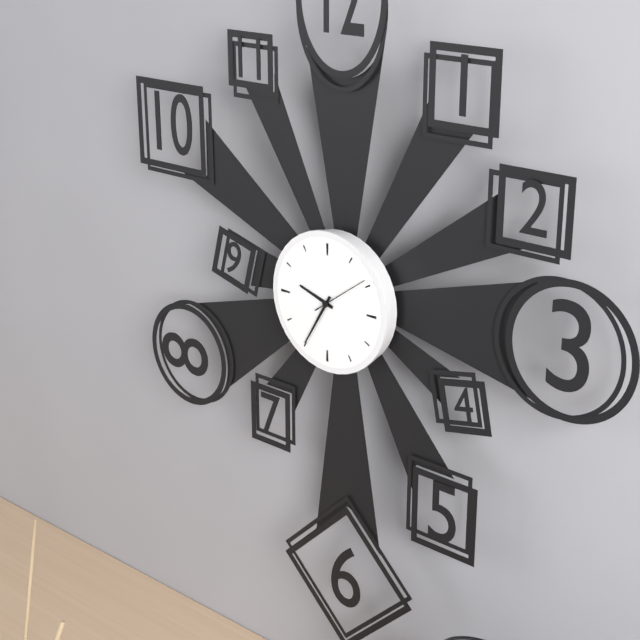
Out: h=9 m=35 s=9
